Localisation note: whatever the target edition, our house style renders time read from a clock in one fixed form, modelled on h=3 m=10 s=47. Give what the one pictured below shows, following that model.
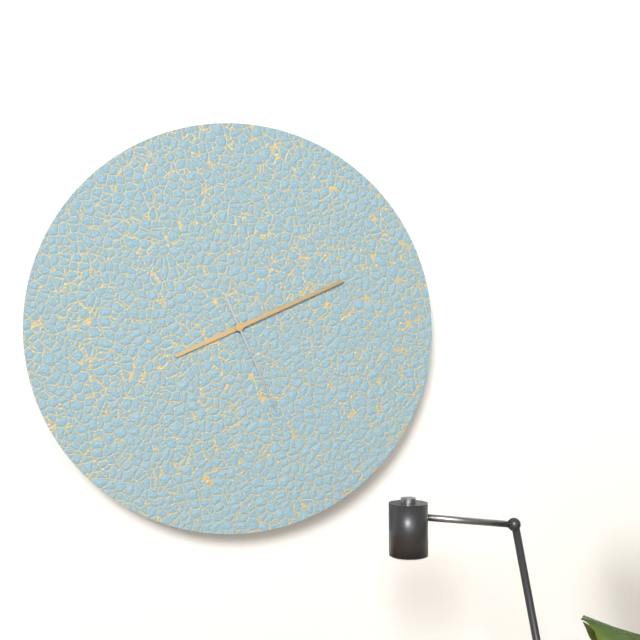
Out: h=8 m=11 s=26
